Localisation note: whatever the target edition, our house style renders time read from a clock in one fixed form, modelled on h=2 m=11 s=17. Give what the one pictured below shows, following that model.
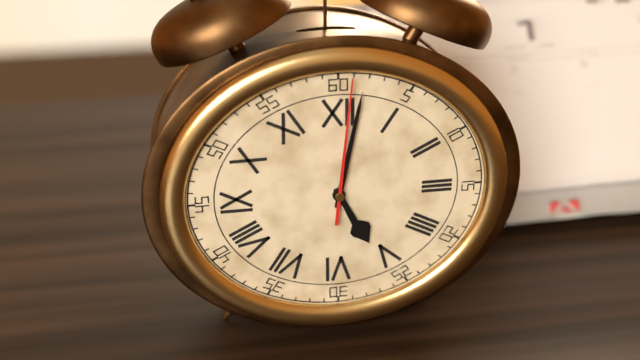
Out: h=5 m=2 s=1
